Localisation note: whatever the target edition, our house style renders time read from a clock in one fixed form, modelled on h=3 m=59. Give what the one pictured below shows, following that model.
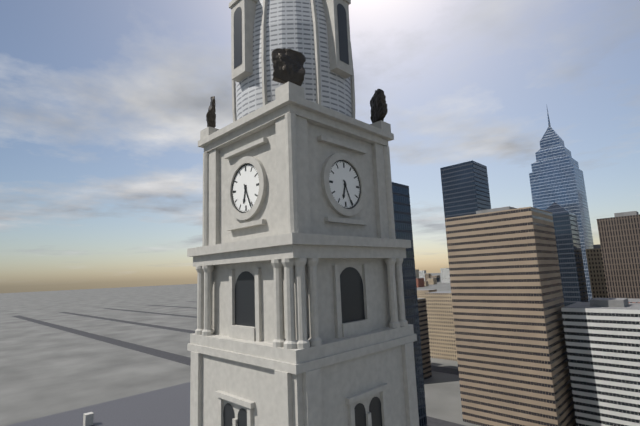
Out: h=6 m=26
